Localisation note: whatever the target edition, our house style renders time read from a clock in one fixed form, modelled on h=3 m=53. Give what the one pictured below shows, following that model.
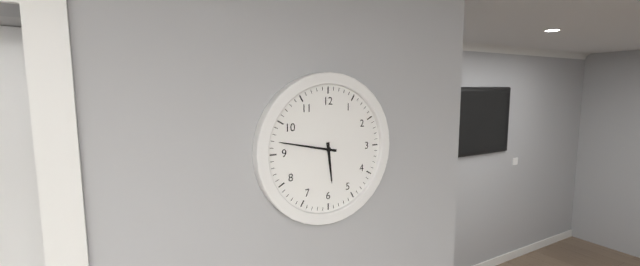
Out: h=5 m=47
